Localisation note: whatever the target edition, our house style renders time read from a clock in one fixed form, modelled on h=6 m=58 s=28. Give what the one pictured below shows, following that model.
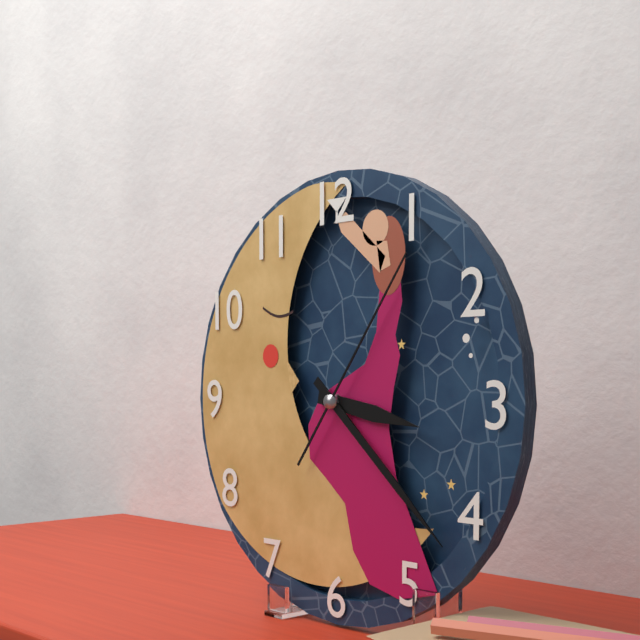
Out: h=3 m=22 s=6
